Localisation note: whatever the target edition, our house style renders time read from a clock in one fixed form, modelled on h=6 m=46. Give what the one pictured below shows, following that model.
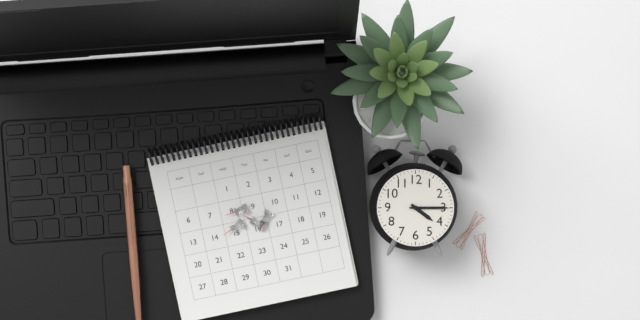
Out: h=4 m=15
